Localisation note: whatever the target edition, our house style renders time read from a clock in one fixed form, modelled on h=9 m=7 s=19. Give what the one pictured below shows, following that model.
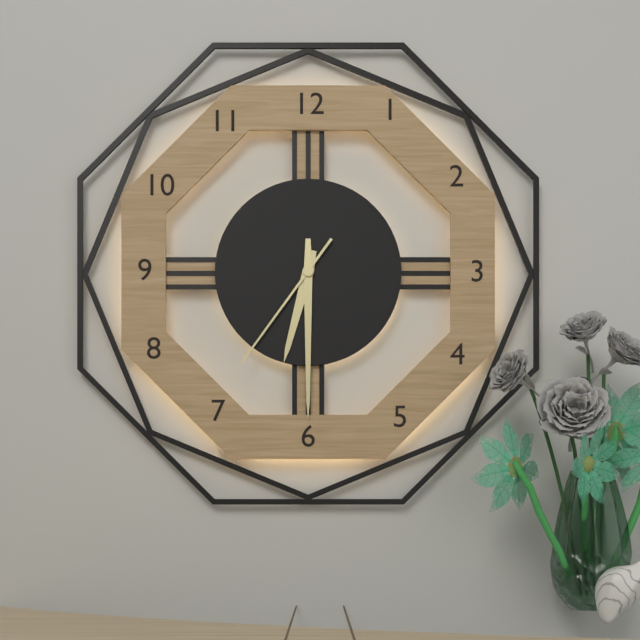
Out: h=6 m=30 s=36
